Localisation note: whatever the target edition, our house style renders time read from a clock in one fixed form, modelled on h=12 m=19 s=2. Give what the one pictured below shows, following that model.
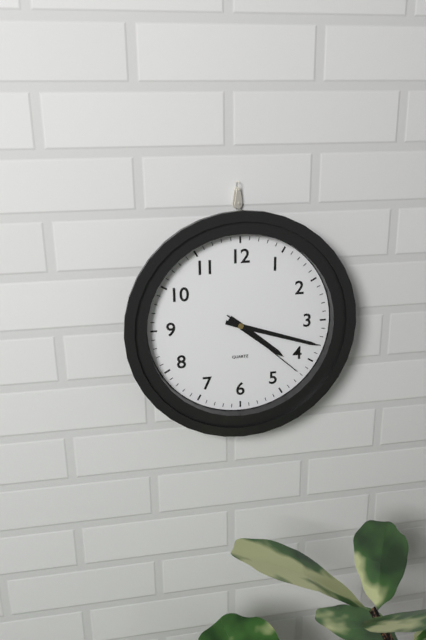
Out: h=4 m=18 s=22
